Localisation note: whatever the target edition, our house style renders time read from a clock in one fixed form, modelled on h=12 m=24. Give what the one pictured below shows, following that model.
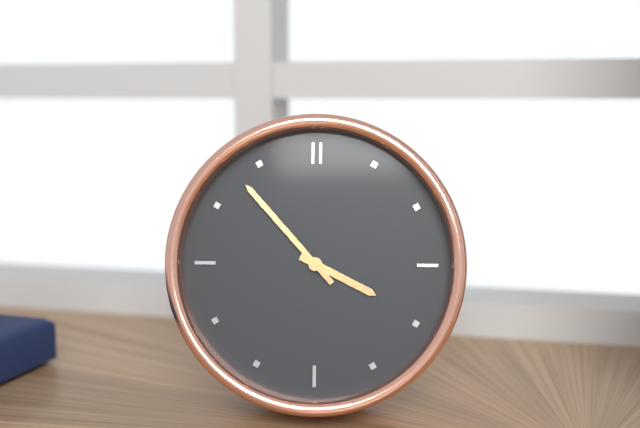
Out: h=3 m=53
